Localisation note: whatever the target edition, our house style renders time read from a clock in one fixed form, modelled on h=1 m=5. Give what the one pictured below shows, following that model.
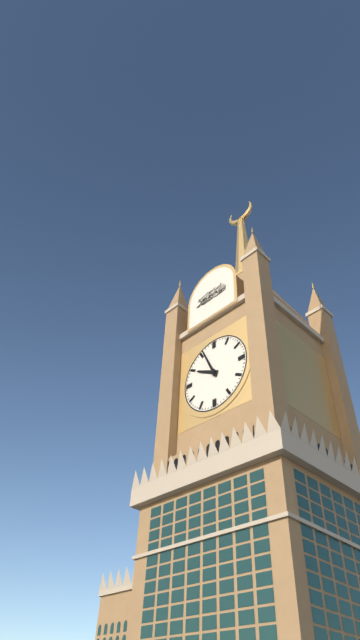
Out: h=9 m=56
